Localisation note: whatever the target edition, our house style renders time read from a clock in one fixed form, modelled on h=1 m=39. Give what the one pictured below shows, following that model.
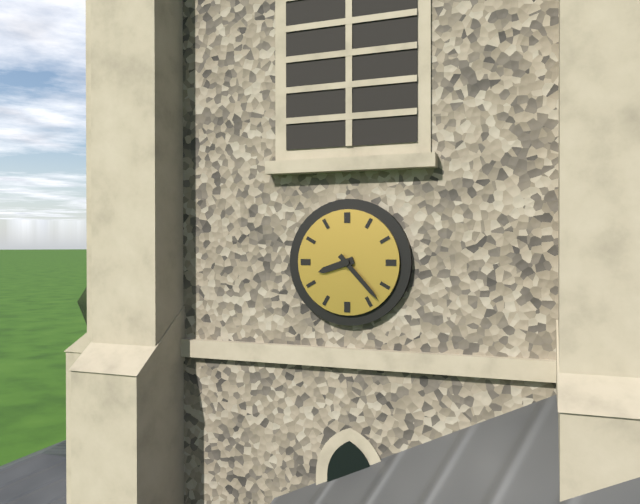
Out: h=8 m=23
